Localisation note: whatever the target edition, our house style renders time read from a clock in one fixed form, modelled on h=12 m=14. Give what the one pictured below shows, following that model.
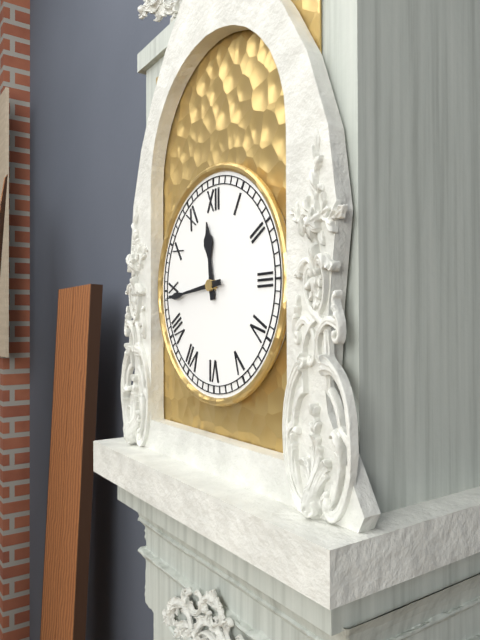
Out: h=11 m=44
